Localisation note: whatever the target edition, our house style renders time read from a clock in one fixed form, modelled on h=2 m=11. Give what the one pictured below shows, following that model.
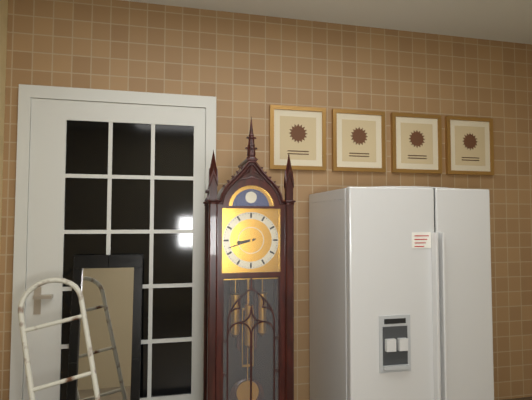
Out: h=8 m=42
